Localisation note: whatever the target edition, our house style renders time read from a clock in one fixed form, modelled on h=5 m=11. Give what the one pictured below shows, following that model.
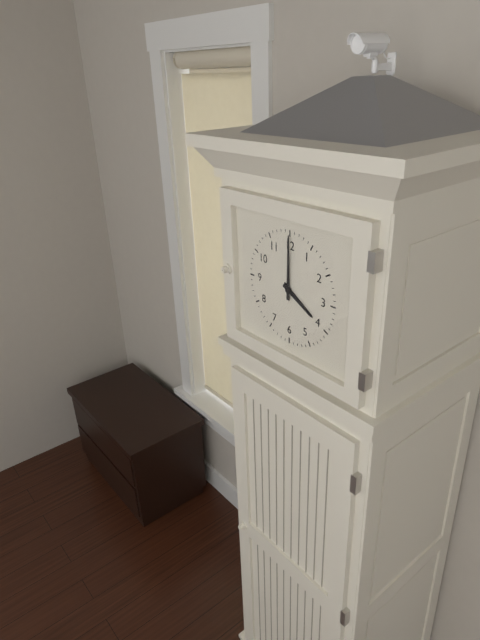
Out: h=4 m=0
